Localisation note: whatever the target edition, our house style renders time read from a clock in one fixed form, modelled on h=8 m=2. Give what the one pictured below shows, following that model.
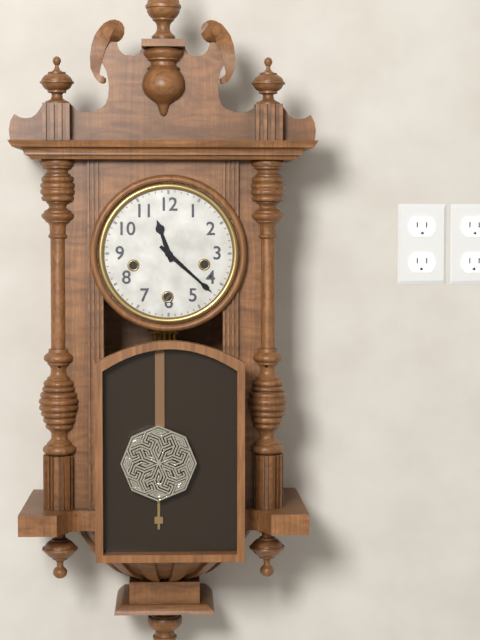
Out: h=11 m=22
